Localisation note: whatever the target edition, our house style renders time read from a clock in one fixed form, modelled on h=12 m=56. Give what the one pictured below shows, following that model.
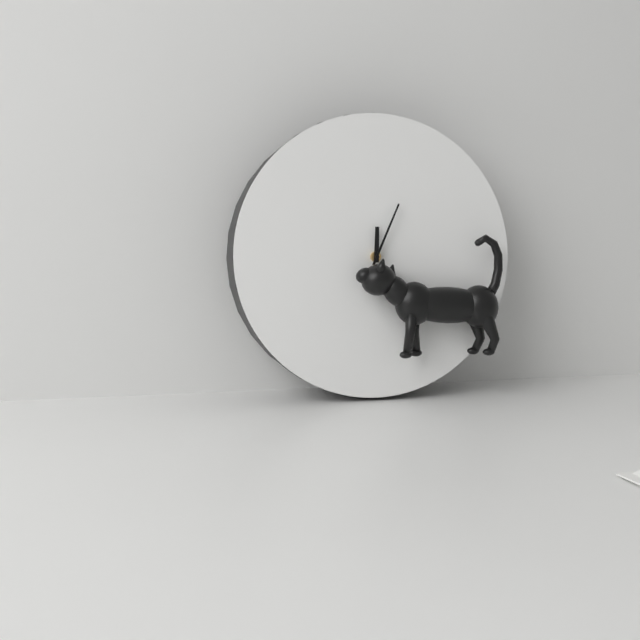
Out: h=12 m=4
